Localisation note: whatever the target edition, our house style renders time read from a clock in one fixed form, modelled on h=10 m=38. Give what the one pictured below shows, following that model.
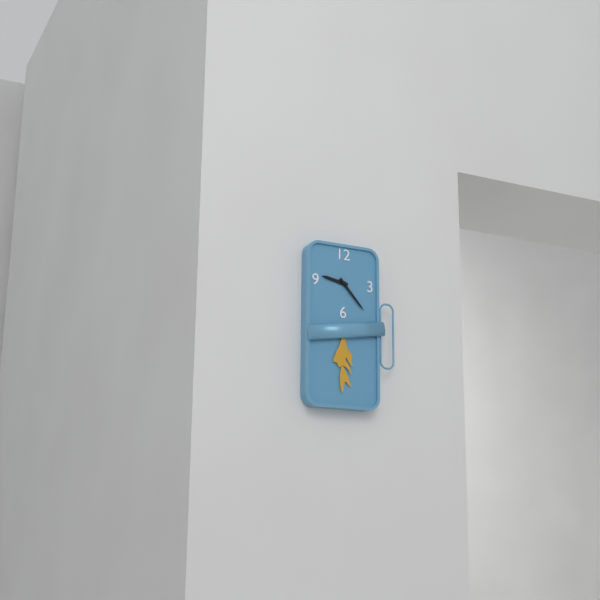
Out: h=9 m=23
